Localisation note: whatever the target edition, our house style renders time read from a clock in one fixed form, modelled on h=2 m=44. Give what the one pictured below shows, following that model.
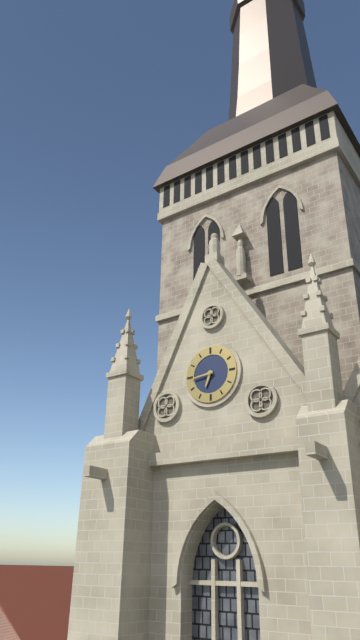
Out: h=6 m=44
